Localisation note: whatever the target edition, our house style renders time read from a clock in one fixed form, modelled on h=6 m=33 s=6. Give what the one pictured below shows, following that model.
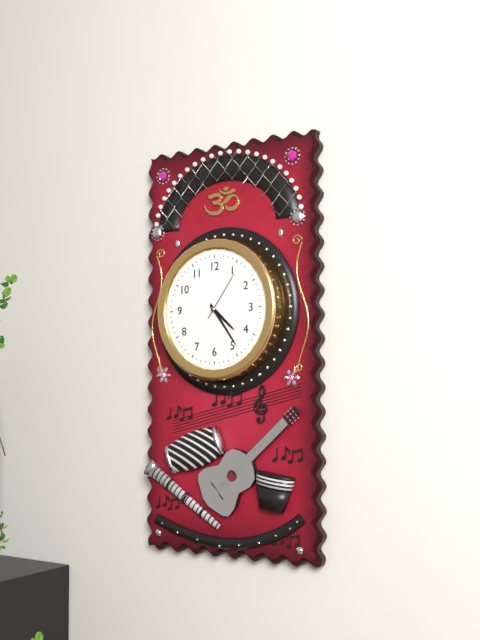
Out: h=4 m=24 s=6
